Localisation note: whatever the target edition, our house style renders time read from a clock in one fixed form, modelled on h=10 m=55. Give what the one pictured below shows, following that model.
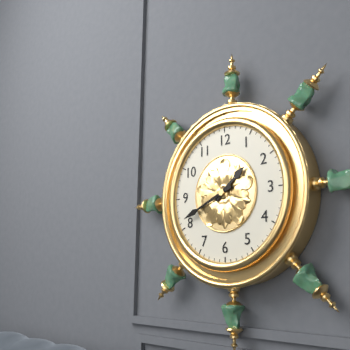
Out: h=1 m=41
